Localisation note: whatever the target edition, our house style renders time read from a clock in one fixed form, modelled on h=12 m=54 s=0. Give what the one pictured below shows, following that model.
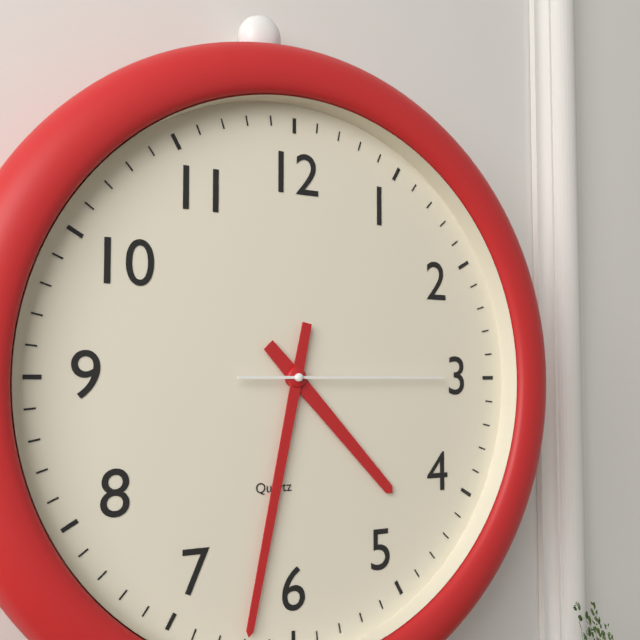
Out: h=4 m=32 s=15
